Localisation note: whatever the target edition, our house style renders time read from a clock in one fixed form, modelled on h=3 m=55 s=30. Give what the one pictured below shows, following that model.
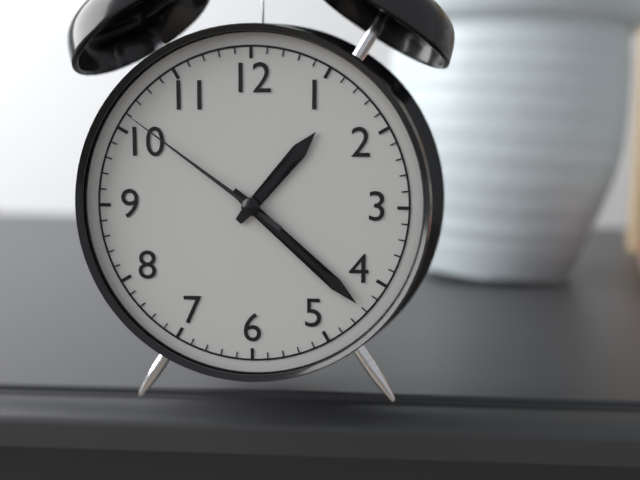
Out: h=1 m=22 s=51
